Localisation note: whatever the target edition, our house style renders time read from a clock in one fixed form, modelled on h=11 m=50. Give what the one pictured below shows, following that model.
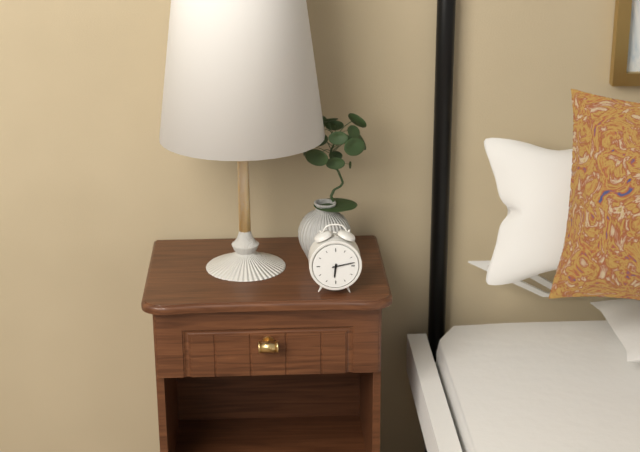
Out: h=6 m=13
